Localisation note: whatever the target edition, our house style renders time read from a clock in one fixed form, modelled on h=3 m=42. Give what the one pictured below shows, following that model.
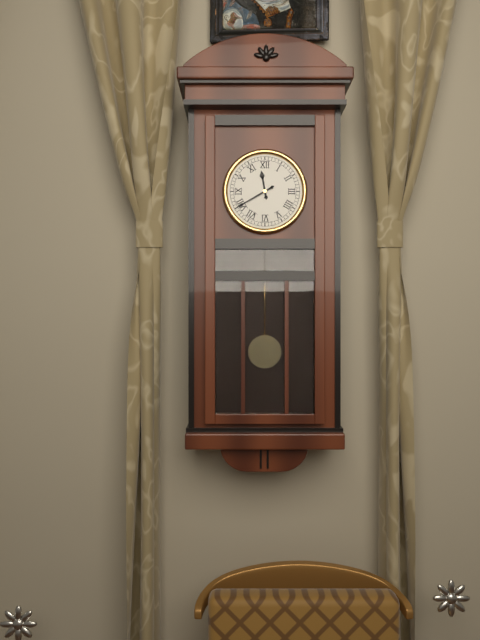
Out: h=11 m=40
